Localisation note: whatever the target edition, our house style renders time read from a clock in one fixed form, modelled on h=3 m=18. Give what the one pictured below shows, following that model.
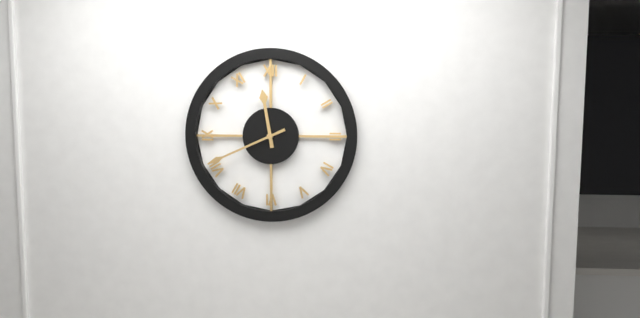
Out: h=11 m=41
